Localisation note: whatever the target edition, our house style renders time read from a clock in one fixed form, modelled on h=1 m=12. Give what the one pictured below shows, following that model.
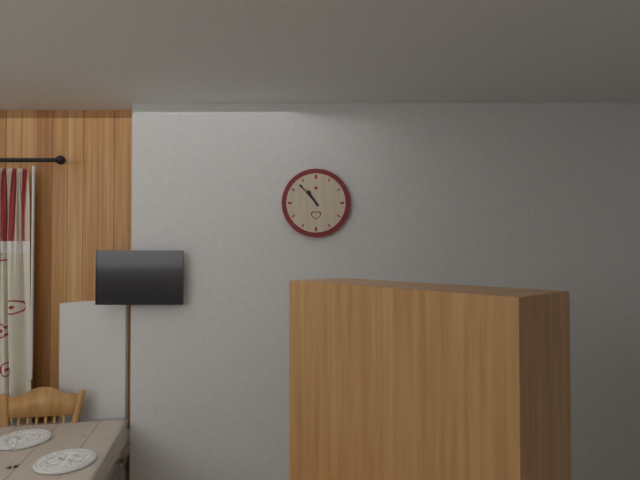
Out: h=10 m=53
